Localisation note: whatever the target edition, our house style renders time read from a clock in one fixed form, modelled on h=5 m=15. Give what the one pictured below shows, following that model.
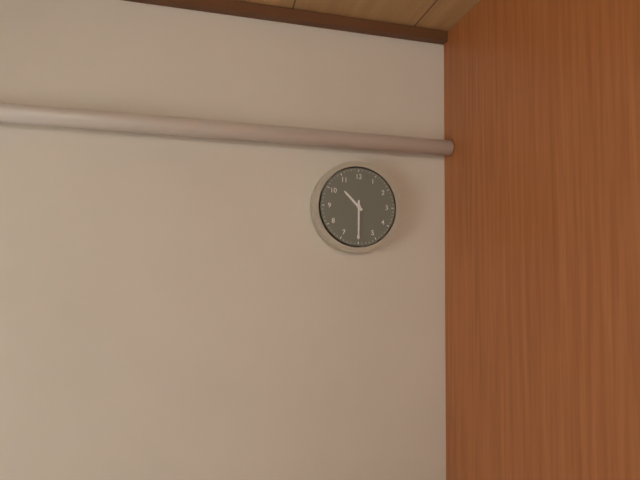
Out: h=10 m=30
